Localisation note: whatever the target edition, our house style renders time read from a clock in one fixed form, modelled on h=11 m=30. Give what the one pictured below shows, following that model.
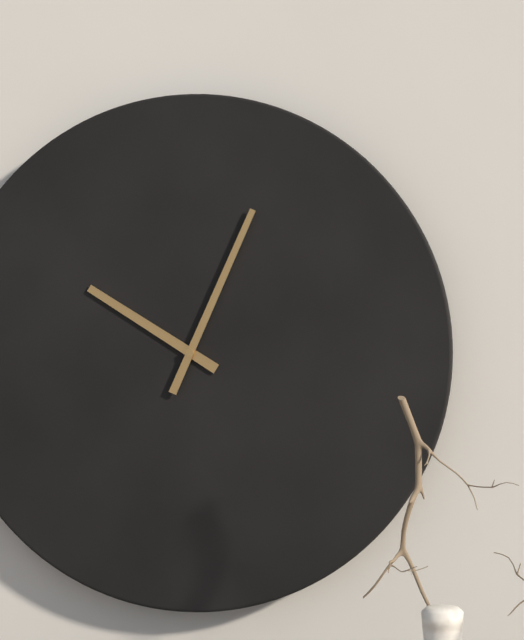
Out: h=10 m=4
